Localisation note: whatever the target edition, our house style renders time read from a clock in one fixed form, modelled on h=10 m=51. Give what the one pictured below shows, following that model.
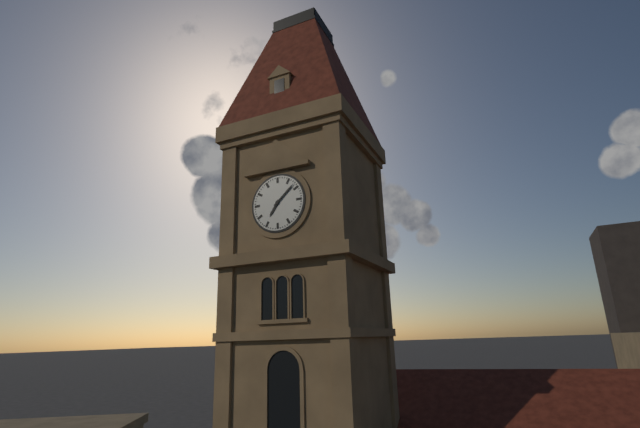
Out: h=7 m=8
